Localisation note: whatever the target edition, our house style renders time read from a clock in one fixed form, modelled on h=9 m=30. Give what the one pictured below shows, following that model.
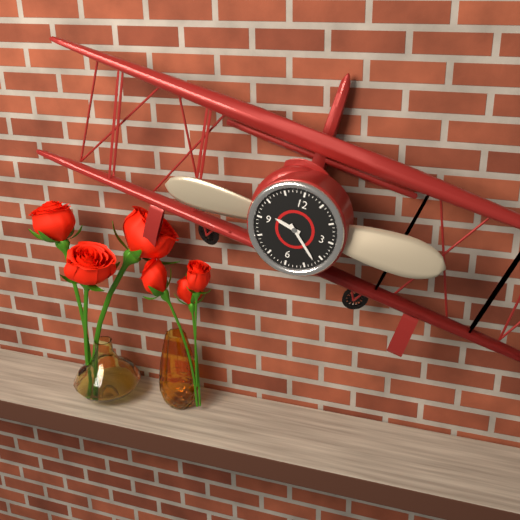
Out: h=9 m=22
